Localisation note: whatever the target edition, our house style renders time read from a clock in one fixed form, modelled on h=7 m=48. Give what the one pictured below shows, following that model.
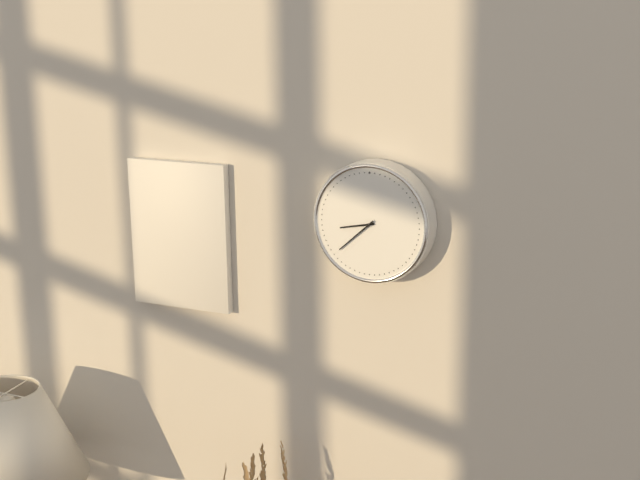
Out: h=8 m=38
